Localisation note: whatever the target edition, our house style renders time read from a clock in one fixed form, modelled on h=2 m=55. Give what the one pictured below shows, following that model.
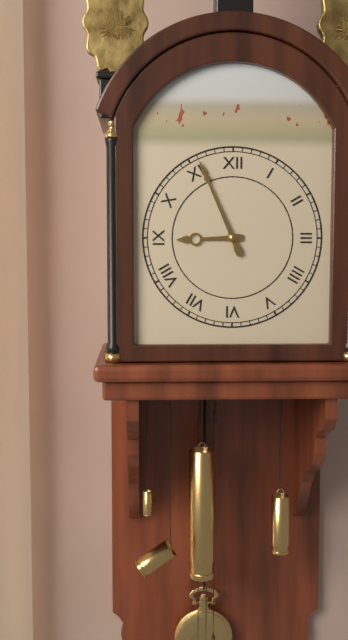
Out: h=8 m=56
